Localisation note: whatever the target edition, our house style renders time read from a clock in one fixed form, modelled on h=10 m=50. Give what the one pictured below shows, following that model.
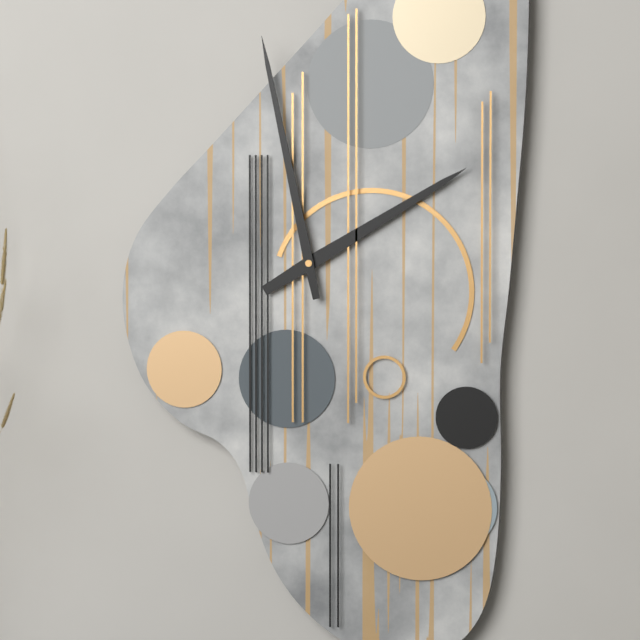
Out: h=1 m=58
